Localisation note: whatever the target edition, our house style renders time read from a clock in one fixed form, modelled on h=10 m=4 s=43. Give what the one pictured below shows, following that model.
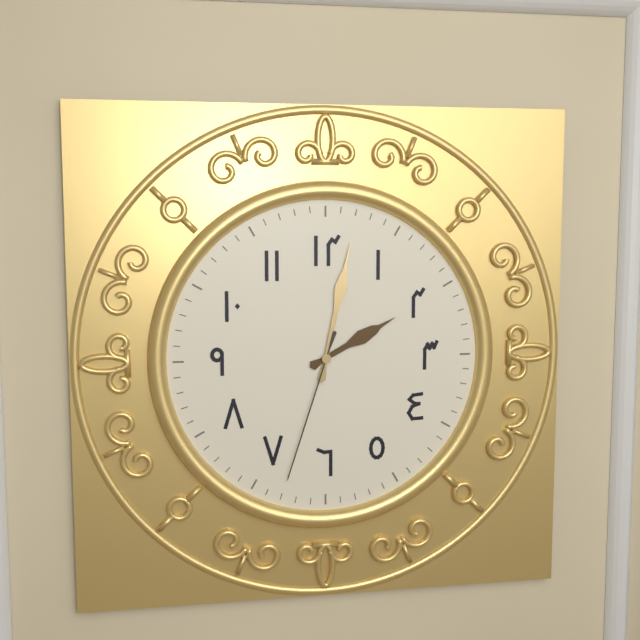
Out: h=2 m=2 s=33
